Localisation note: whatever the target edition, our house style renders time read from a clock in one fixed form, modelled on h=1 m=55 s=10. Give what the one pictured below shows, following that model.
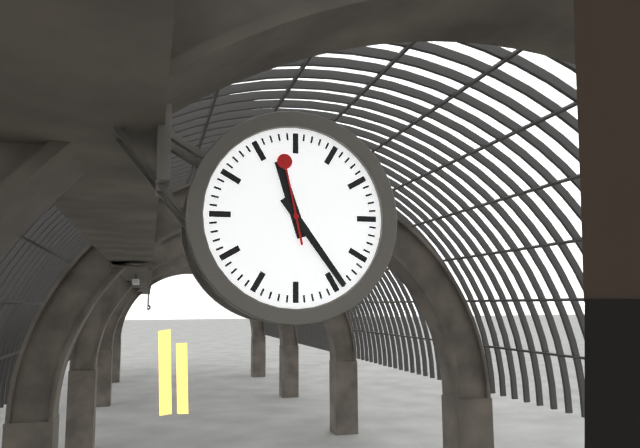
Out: h=11 m=24 s=58
